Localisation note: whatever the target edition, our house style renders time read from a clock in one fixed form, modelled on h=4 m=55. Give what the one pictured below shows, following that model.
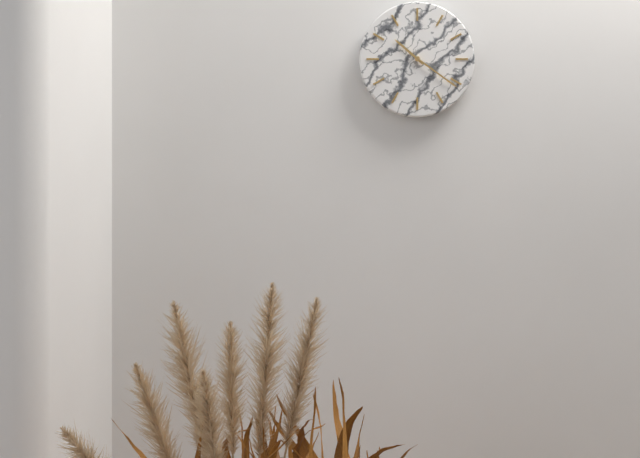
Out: h=10 m=21
